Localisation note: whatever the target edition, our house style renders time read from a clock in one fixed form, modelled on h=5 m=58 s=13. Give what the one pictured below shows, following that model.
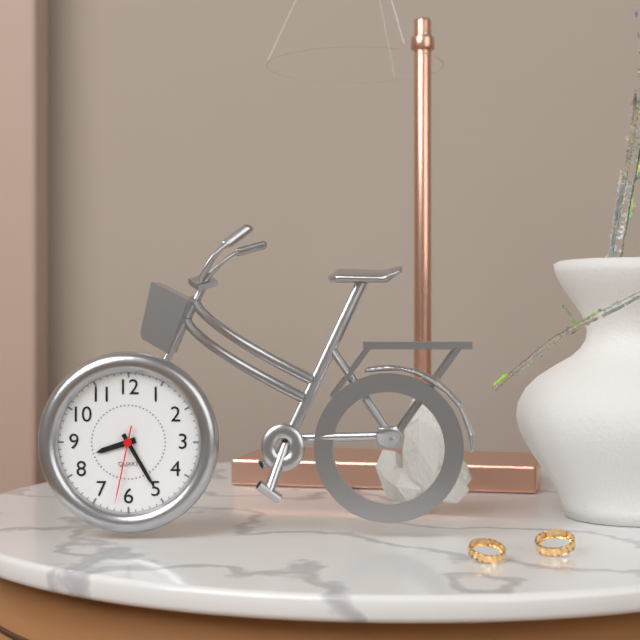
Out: h=8 m=25 s=32
